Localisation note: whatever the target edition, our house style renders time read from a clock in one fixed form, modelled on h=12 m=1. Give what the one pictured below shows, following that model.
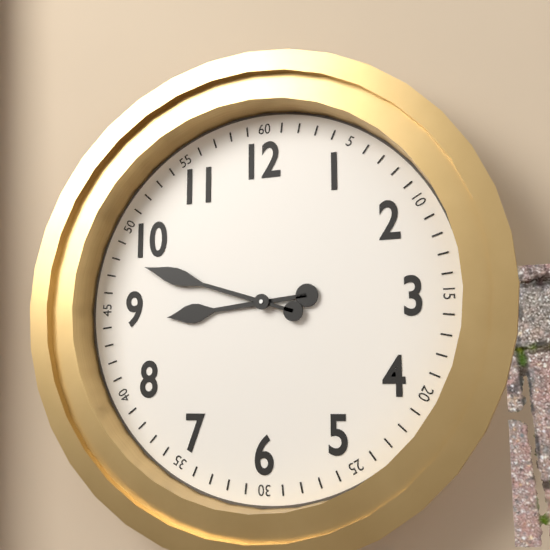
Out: h=8 m=48
